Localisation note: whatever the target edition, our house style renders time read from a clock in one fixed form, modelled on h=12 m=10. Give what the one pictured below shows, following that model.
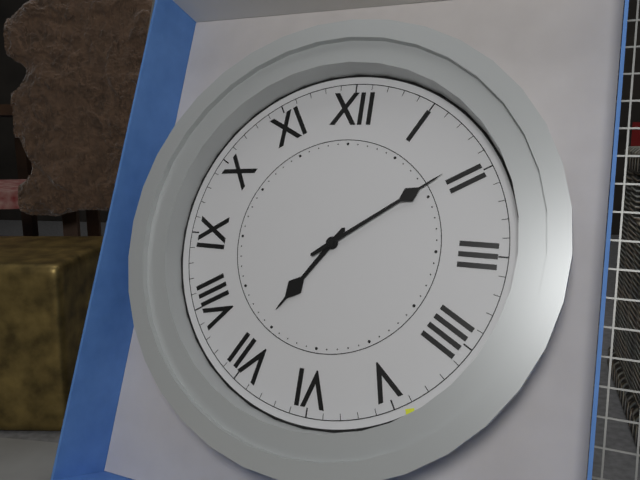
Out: h=7 m=9
